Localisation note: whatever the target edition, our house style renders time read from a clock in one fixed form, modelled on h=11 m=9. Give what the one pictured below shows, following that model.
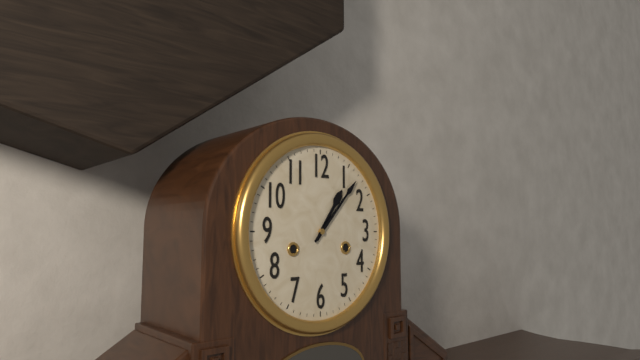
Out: h=1 m=7
